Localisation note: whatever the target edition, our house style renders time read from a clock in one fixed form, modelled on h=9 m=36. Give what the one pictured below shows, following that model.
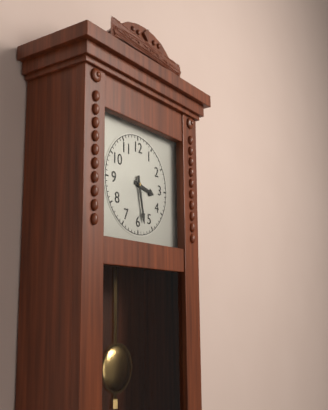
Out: h=3 m=28
